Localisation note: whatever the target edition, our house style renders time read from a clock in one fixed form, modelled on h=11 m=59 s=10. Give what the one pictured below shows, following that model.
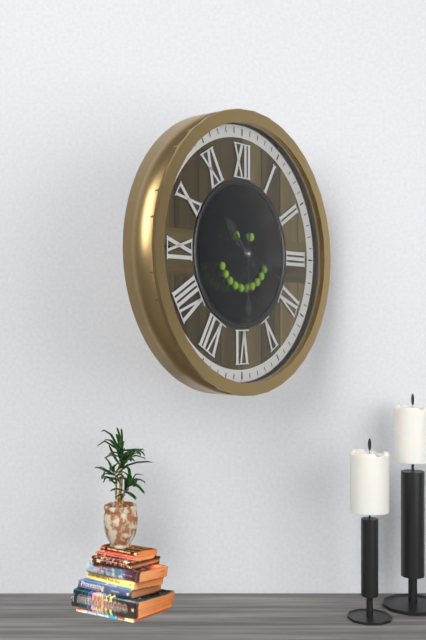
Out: h=10 m=30 s=19
